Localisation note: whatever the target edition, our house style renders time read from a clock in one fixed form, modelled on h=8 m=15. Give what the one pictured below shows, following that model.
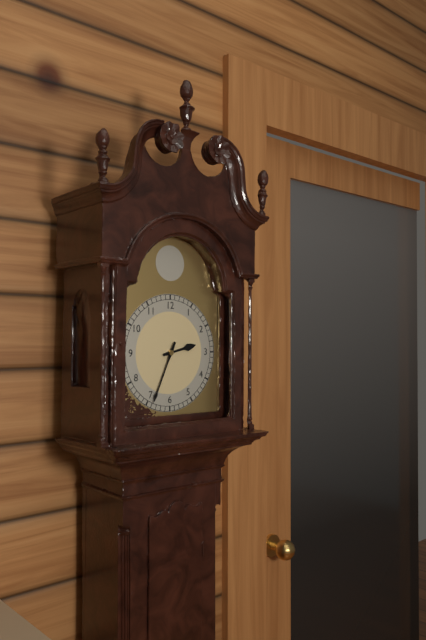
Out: h=2 m=34
